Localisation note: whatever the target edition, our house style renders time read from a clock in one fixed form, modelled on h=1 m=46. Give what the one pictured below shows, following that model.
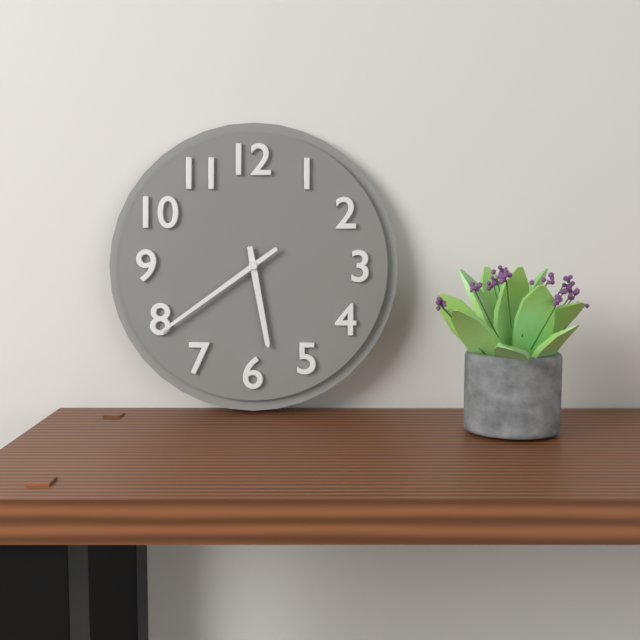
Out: h=5 m=39
